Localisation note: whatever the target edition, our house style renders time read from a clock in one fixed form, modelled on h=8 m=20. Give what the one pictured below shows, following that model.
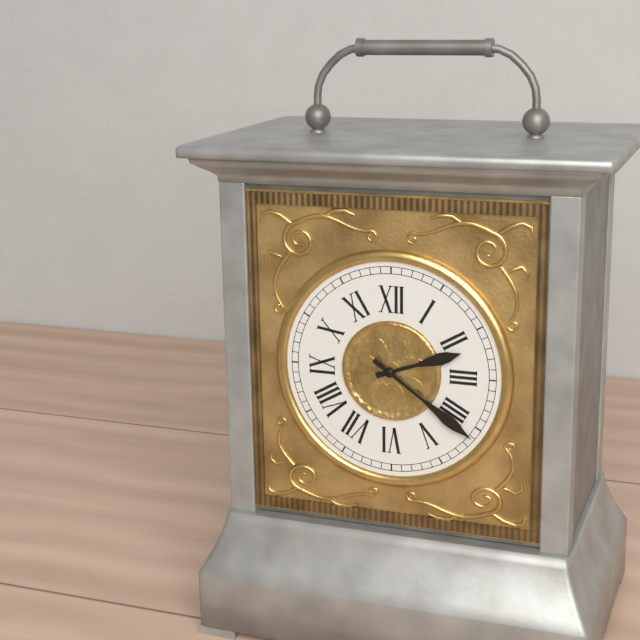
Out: h=2 m=21
